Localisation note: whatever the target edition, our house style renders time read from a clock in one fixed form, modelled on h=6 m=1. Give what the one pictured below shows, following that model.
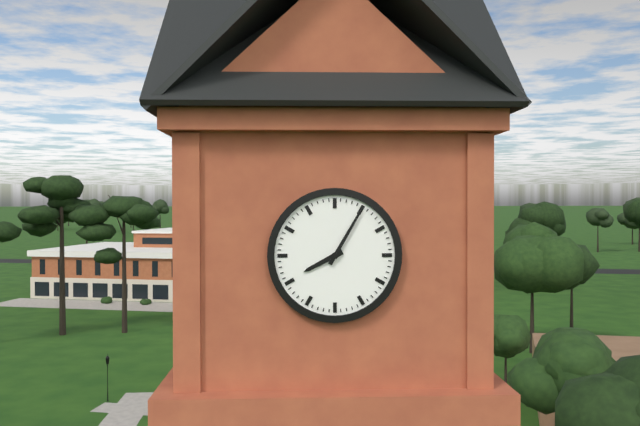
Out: h=8 m=5
